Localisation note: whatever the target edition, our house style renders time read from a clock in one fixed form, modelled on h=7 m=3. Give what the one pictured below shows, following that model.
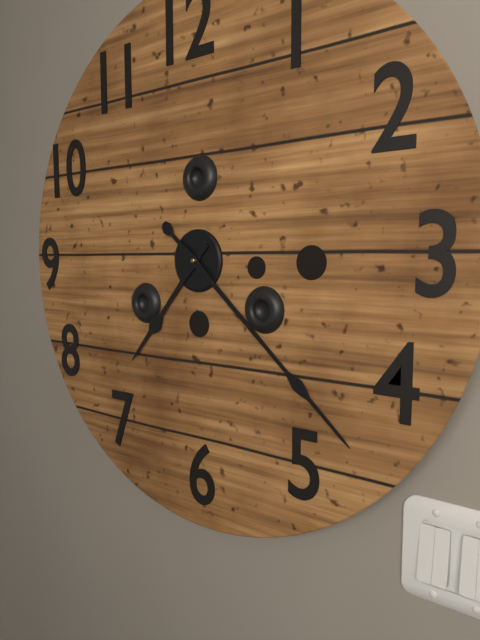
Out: h=7 m=22
